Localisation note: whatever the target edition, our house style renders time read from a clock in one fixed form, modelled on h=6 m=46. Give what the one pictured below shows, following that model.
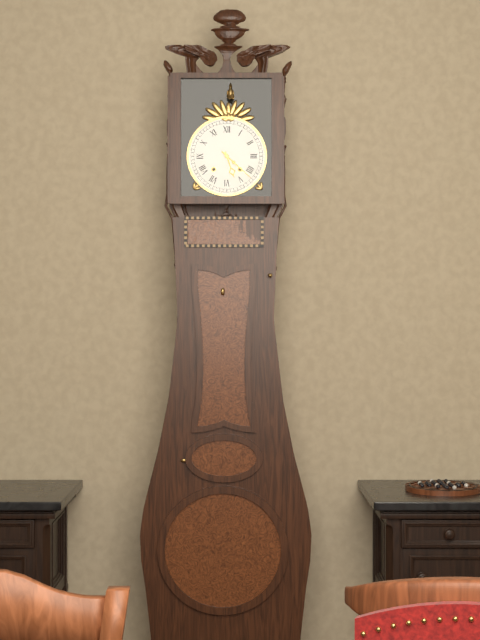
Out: h=5 m=22
